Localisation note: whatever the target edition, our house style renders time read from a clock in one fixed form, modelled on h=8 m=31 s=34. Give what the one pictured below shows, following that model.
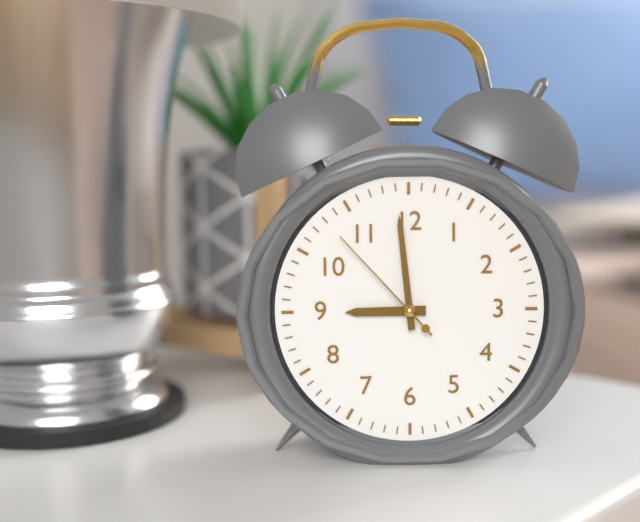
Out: h=8 m=59 s=53
